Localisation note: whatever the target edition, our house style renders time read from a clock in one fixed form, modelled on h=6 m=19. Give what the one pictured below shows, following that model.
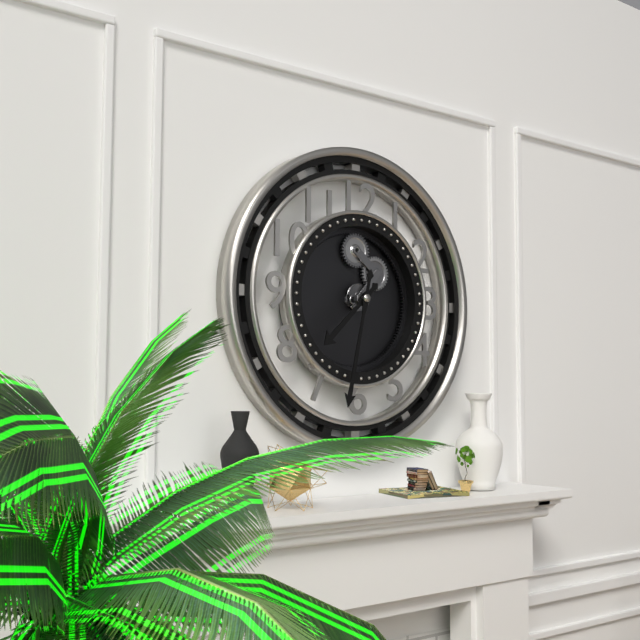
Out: h=7 m=32
